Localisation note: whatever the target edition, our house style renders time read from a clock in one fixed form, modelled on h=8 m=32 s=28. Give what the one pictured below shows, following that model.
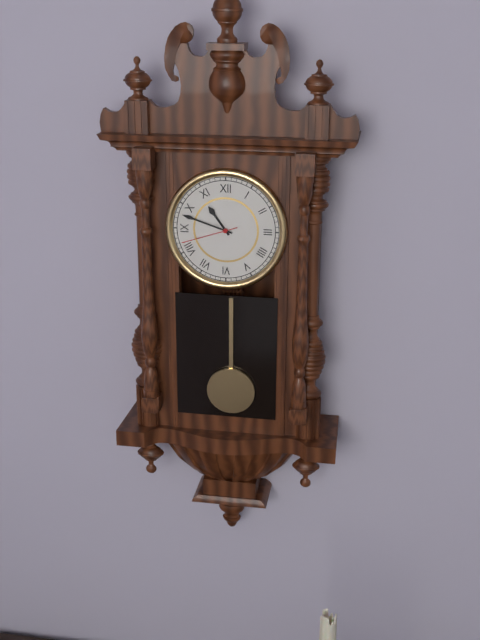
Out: h=10 m=48 s=42
